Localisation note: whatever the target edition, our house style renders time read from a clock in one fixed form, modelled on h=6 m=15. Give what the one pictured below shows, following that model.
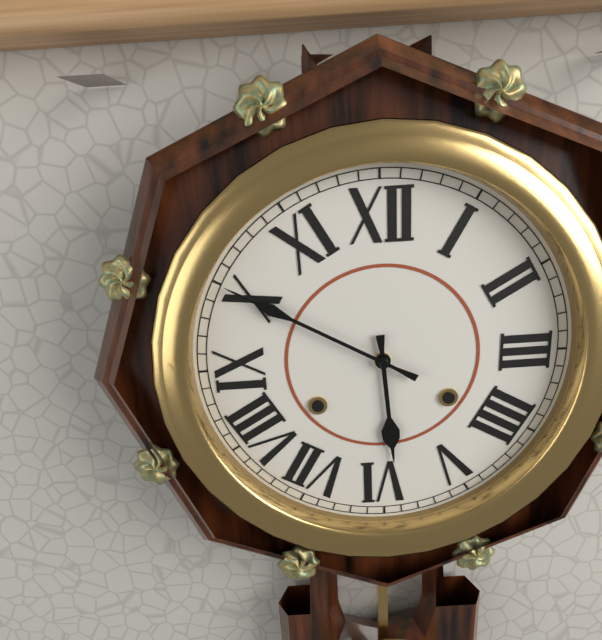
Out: h=5 m=50
